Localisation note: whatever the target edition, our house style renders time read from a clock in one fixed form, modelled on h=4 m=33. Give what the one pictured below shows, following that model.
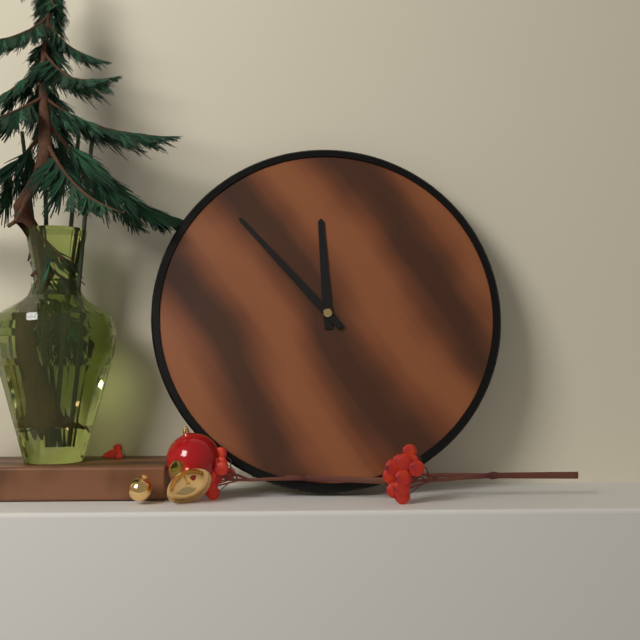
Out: h=11 m=53
